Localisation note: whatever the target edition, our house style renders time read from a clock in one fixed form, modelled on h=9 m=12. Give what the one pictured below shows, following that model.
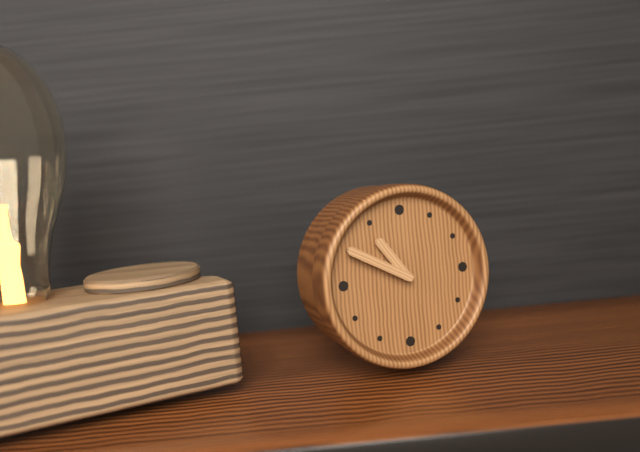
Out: h=10 m=50
